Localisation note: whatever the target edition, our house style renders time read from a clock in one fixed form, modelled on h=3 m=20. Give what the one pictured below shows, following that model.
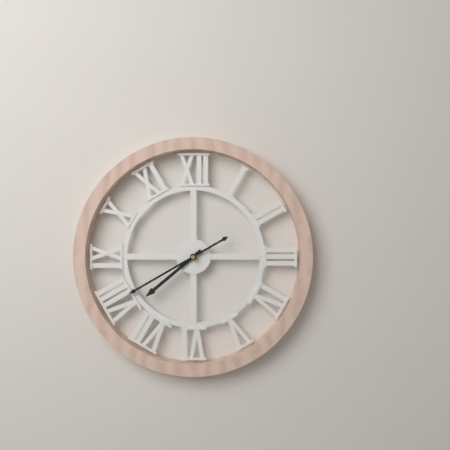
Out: h=7 m=40
